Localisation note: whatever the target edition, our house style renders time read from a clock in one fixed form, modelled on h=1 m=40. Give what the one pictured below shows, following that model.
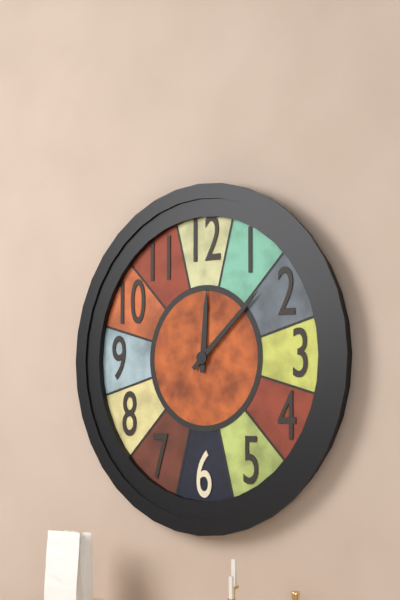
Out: h=12 m=8
